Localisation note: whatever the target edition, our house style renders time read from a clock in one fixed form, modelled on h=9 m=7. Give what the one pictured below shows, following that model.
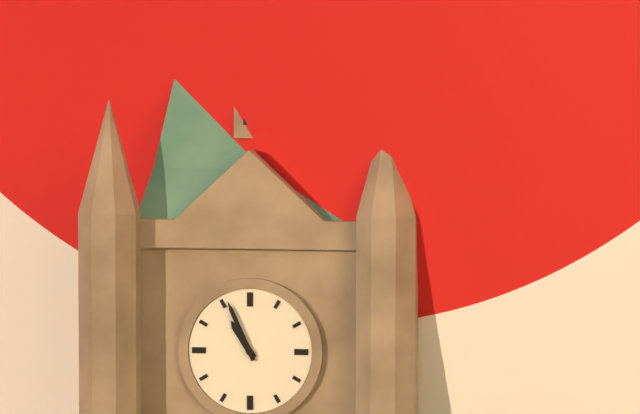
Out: h=10 m=56
